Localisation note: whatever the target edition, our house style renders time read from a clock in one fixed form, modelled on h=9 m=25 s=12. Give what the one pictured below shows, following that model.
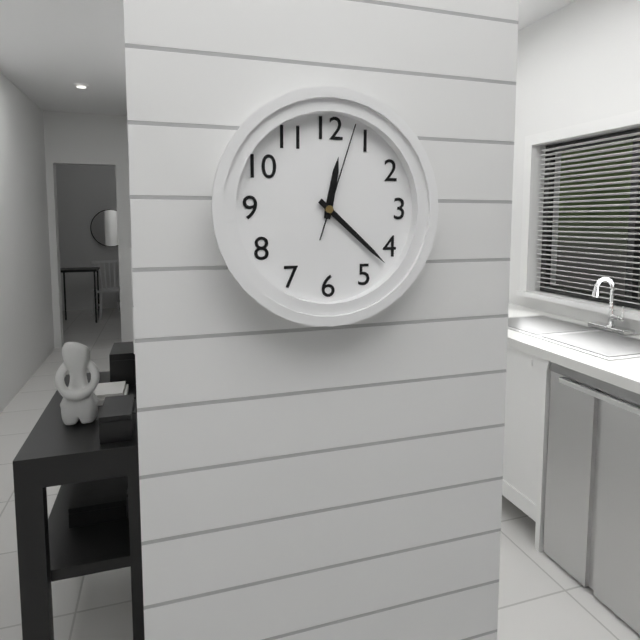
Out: h=12 m=22 s=3
